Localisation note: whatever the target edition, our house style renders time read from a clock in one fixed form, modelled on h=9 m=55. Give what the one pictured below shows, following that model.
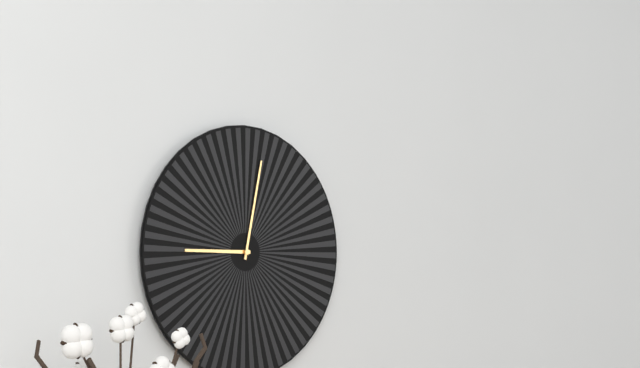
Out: h=9 m=2
